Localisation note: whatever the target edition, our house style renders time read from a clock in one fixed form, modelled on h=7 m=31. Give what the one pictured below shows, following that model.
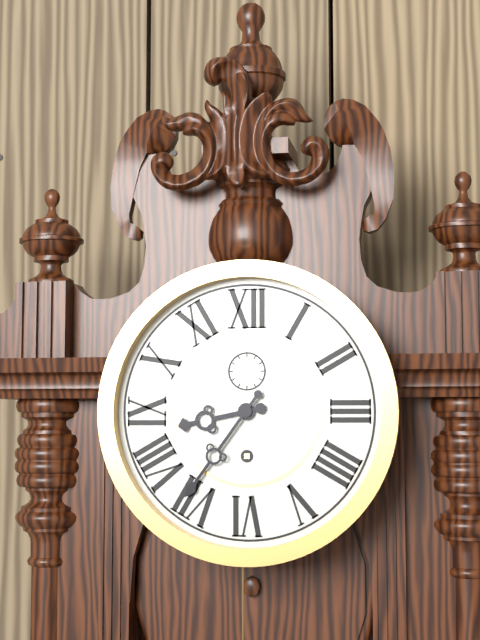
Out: h=8 m=36
